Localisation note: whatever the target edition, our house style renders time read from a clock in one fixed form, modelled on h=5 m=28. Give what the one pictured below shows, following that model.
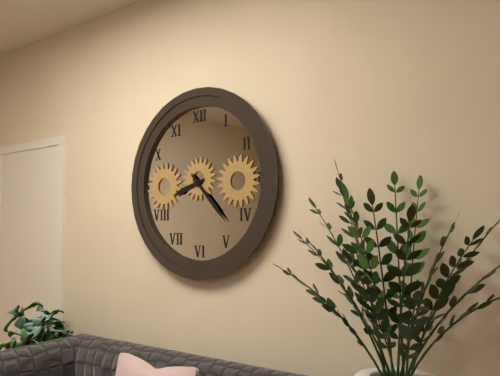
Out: h=8 m=23
